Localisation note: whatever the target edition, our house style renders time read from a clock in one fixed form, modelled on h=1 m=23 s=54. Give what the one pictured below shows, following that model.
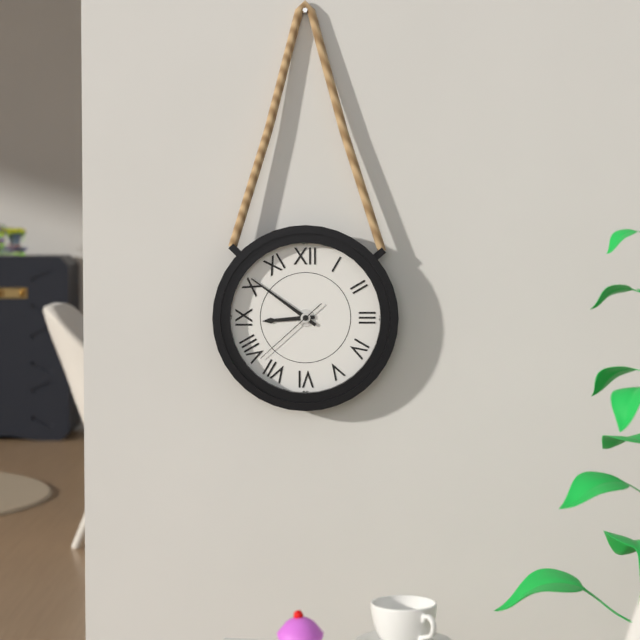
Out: h=8 m=51 s=38
